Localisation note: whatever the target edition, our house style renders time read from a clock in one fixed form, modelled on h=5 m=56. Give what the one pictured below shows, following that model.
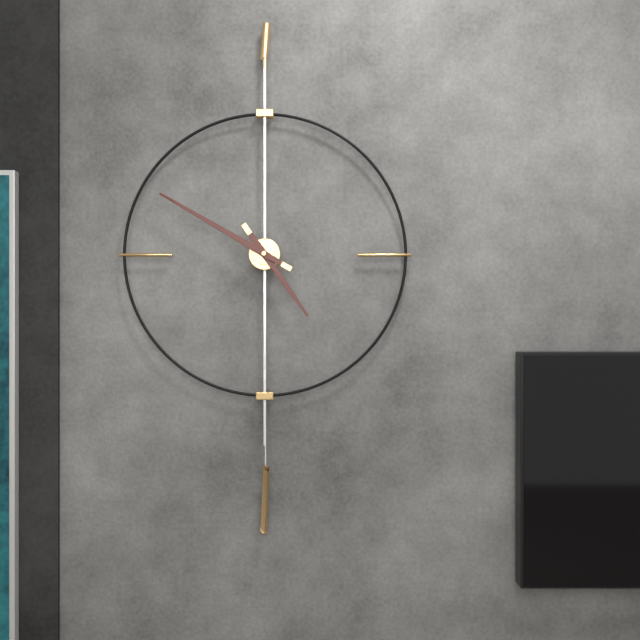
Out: h=4 m=50
